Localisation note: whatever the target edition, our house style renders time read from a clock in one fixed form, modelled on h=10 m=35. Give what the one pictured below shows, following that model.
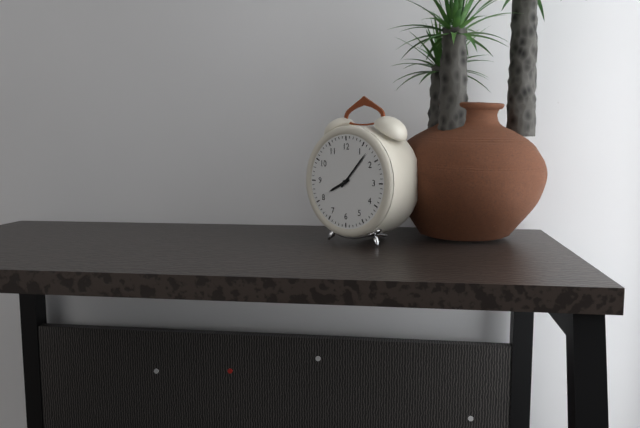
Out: h=8 m=7
